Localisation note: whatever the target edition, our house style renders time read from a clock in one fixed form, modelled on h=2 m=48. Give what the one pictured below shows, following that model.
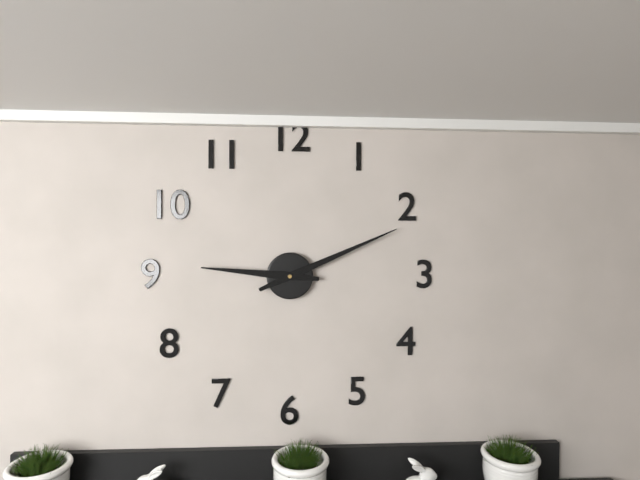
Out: h=9 m=11
